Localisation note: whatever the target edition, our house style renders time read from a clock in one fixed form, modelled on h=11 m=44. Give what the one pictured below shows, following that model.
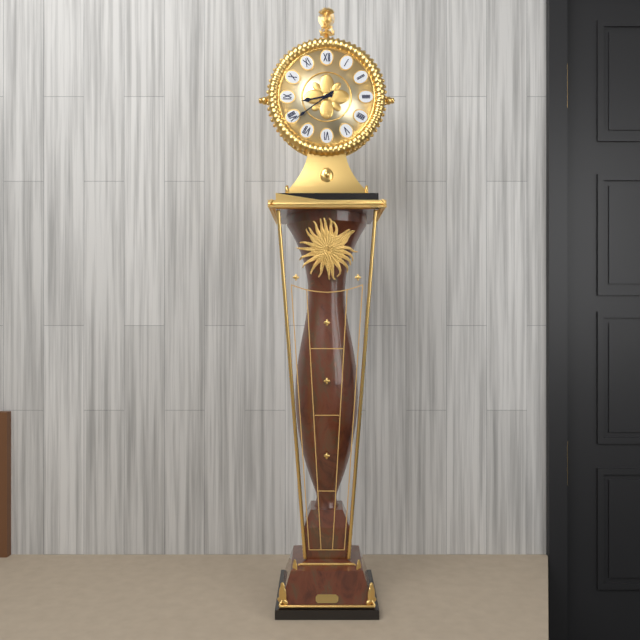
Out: h=8 m=39
